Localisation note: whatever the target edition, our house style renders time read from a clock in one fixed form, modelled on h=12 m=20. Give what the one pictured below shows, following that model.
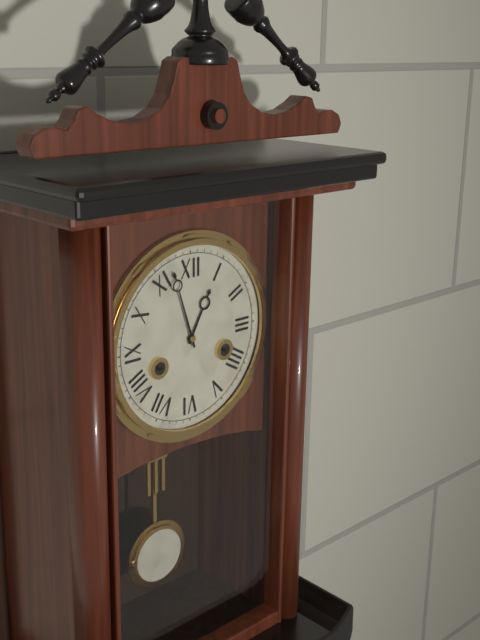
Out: h=12 m=57
